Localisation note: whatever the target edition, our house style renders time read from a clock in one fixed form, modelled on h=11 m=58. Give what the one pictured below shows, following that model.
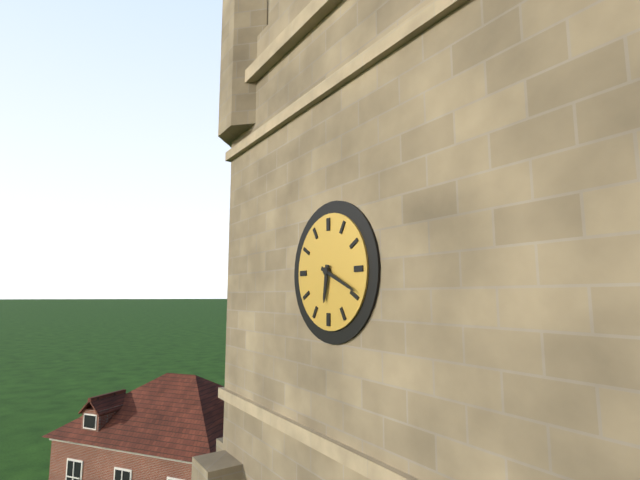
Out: h=6 m=19
